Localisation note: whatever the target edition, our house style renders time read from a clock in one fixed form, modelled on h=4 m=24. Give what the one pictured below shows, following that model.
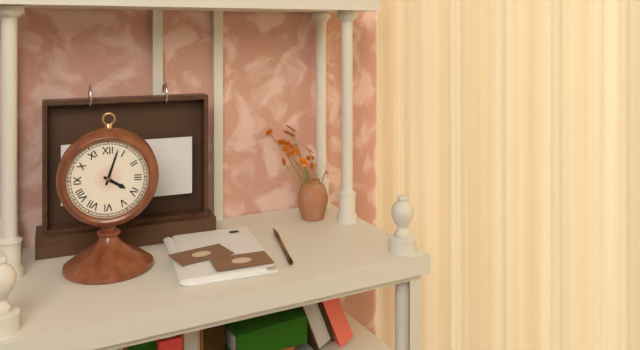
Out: h=4 m=3
